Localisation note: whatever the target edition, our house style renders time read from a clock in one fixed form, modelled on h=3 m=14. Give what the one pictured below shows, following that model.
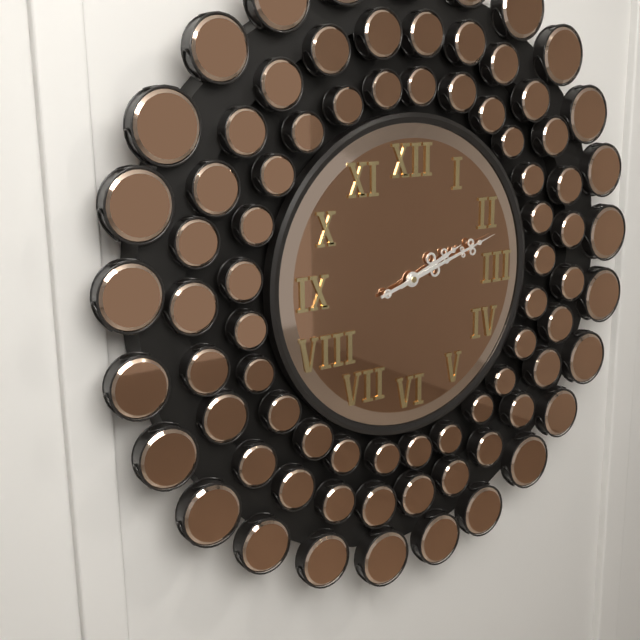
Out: h=2 m=12
